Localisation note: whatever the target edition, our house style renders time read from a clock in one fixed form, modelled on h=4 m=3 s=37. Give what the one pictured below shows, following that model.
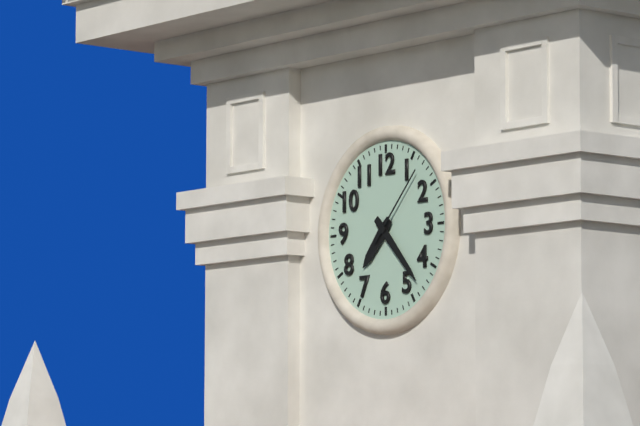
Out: h=7 m=23 s=7
